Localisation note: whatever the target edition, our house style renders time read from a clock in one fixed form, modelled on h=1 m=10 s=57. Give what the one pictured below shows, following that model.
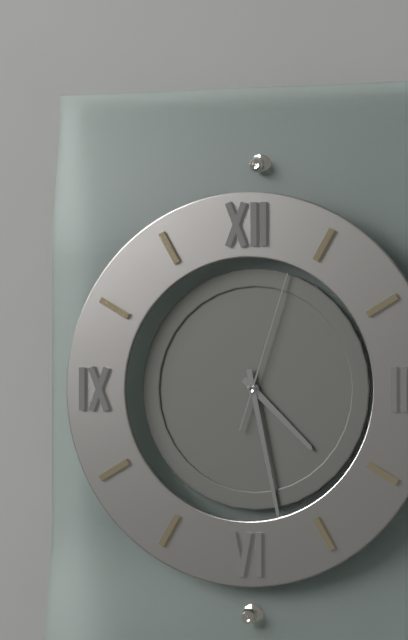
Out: h=4 m=28 s=3
